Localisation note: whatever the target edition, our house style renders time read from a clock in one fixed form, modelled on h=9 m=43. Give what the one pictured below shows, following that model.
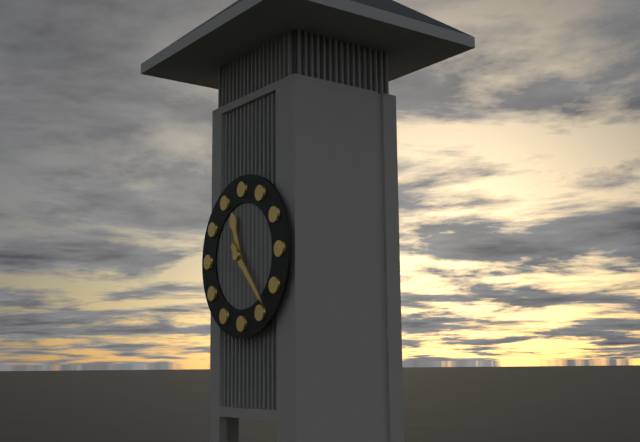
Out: h=11 m=23
